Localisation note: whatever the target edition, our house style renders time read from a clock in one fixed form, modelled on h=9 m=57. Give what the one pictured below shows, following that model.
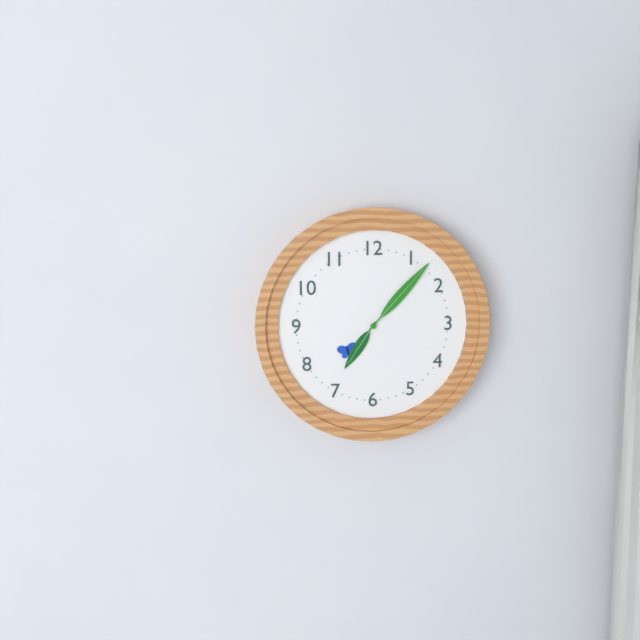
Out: h=7 m=7
